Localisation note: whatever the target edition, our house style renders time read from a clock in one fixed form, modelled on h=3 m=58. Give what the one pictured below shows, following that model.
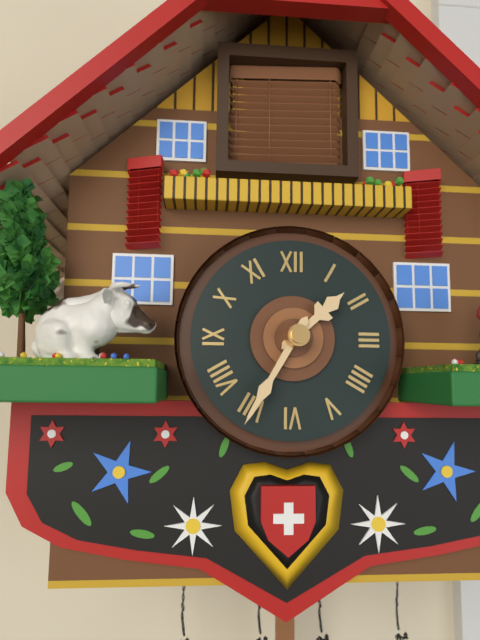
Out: h=1 m=35
